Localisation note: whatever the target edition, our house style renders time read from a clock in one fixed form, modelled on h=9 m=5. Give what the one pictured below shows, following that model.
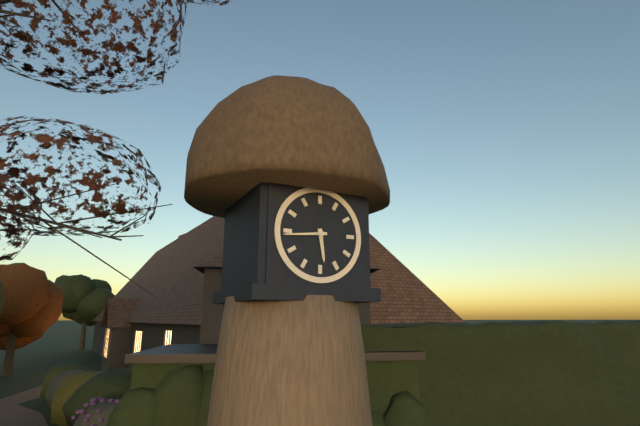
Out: h=5 m=44
